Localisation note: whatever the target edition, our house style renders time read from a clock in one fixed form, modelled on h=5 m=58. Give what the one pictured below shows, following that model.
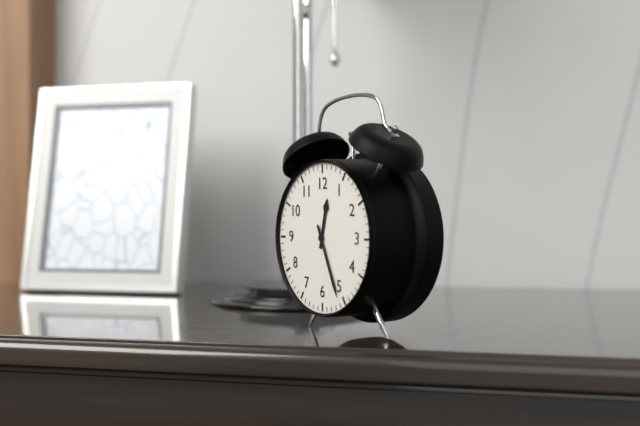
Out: h=12 m=26
